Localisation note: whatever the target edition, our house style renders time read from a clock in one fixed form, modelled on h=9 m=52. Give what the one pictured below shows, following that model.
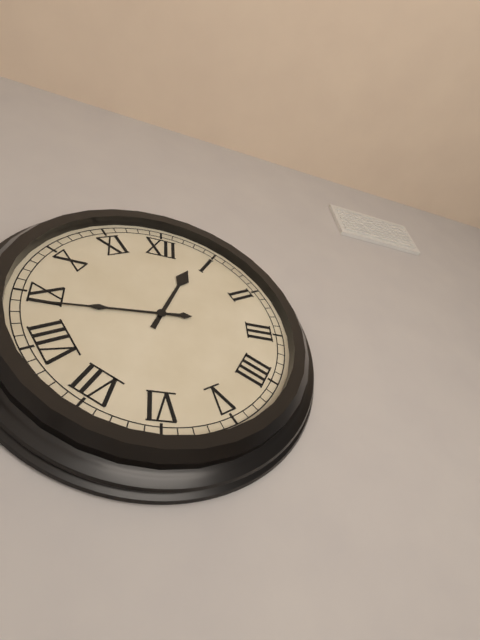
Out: h=12 m=44
